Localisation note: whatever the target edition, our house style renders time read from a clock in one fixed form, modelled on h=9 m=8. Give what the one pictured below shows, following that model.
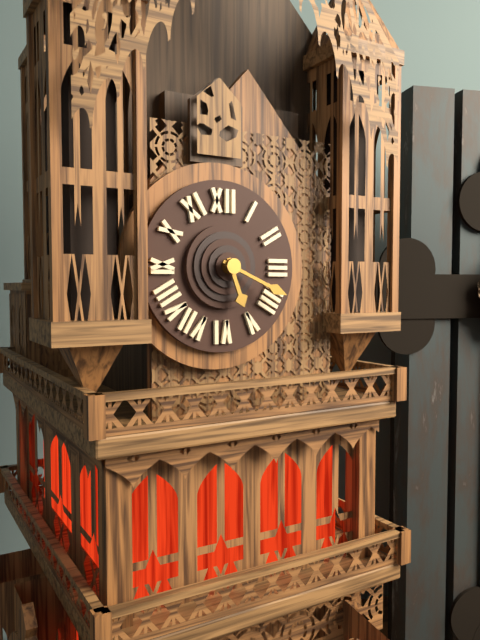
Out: h=5 m=19
